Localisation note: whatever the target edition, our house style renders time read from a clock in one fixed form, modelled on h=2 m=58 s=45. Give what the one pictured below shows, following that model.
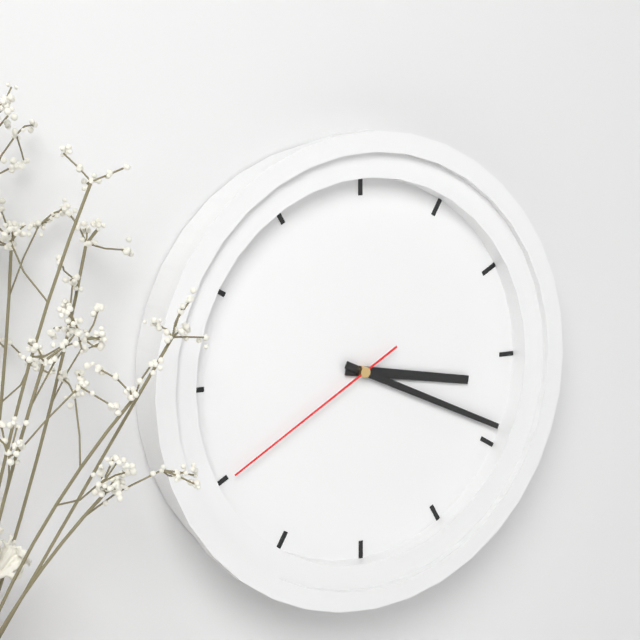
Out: h=3 m=19 s=40
